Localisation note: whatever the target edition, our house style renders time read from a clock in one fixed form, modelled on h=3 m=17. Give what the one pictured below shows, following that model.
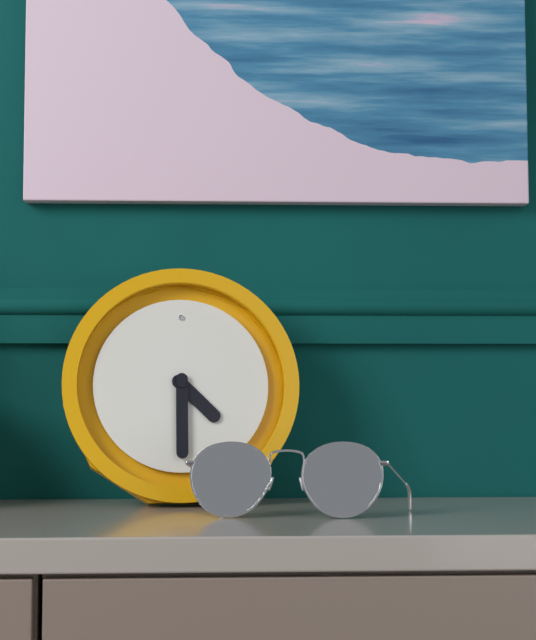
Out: h=4 m=30
